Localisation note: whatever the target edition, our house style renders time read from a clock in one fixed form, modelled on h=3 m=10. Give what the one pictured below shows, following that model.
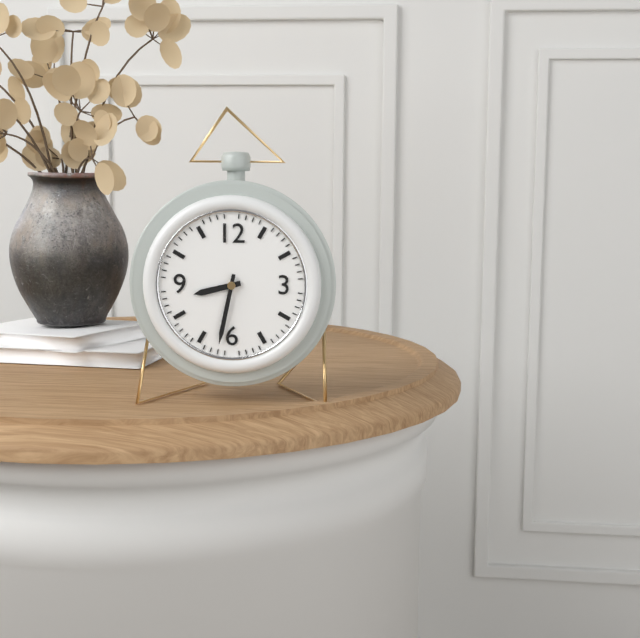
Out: h=8 m=32
